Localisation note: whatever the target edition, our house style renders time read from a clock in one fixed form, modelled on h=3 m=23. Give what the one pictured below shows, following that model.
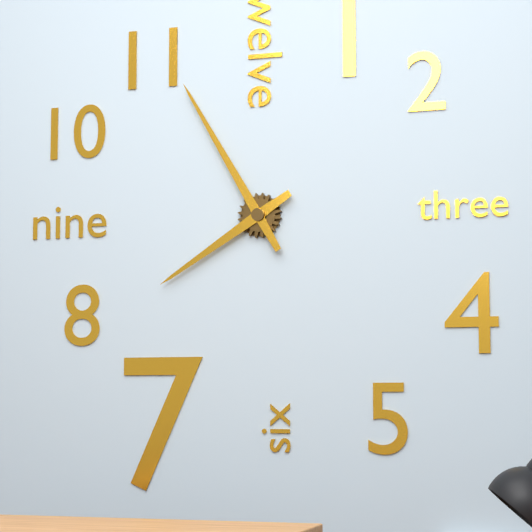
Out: h=7 m=55
